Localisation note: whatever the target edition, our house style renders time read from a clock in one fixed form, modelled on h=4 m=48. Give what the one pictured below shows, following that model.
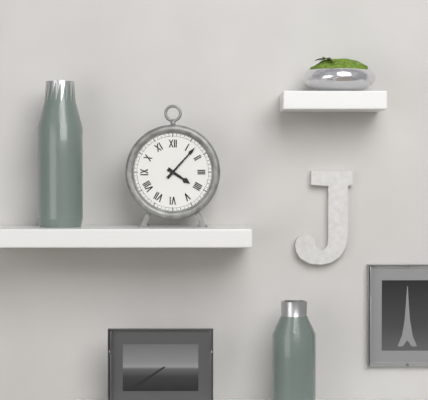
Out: h=4 m=7
